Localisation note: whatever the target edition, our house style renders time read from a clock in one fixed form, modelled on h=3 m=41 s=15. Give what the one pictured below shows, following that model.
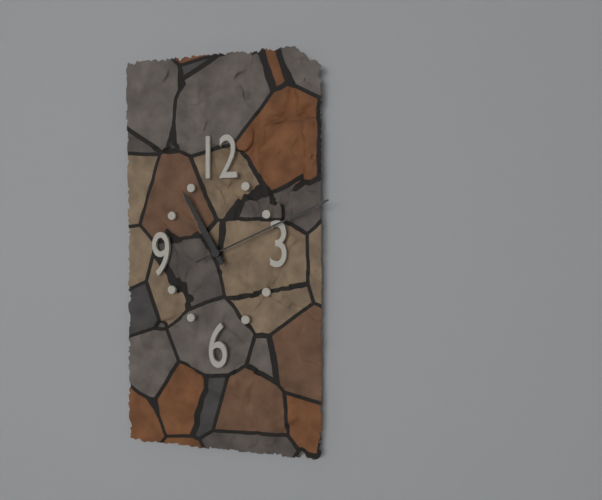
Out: h=10 m=55 s=11
